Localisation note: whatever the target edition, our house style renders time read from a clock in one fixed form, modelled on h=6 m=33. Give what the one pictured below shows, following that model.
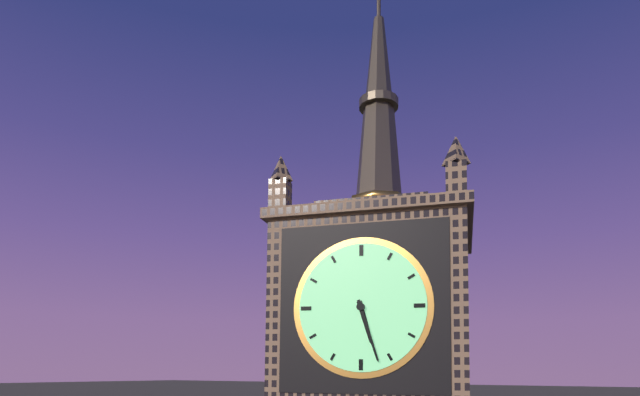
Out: h=5 m=27
